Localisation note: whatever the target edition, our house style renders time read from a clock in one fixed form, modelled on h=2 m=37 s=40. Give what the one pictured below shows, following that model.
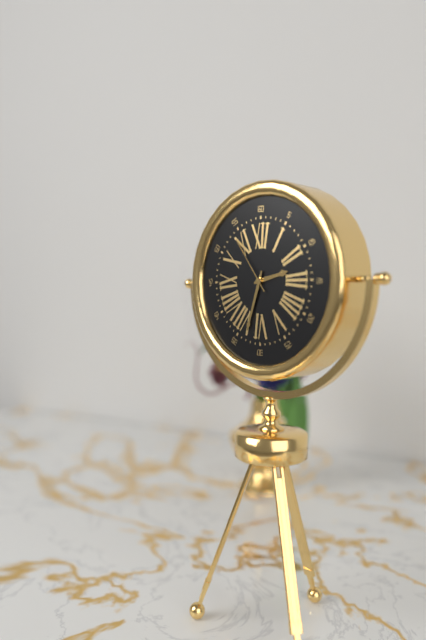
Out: h=2 m=33 s=54
